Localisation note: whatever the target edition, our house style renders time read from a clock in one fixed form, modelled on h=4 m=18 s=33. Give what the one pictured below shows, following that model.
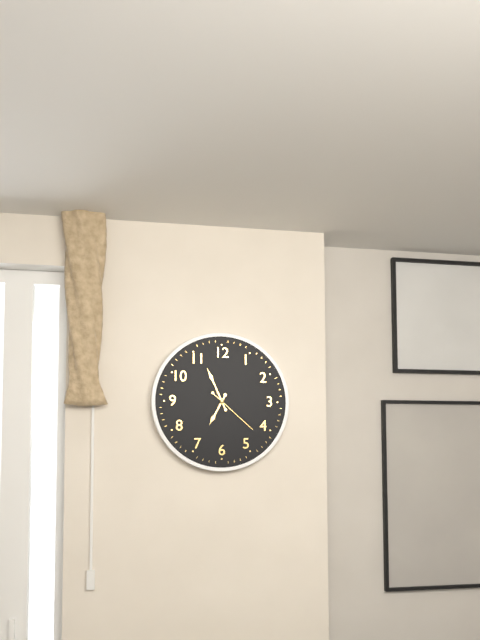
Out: h=6 m=56 s=22
